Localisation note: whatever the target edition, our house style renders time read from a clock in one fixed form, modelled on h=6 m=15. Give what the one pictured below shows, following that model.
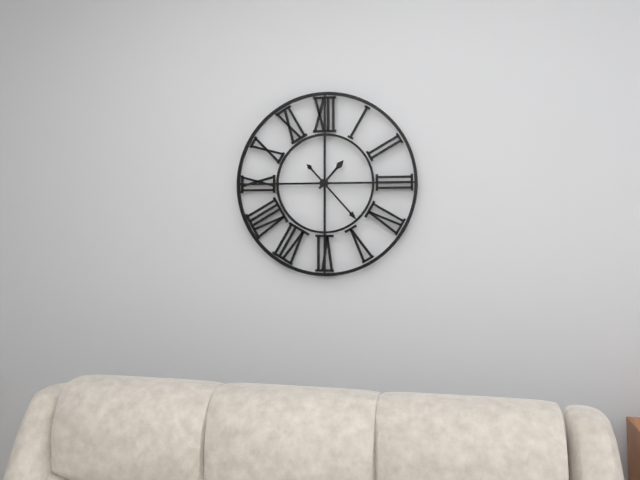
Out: h=1 m=23
